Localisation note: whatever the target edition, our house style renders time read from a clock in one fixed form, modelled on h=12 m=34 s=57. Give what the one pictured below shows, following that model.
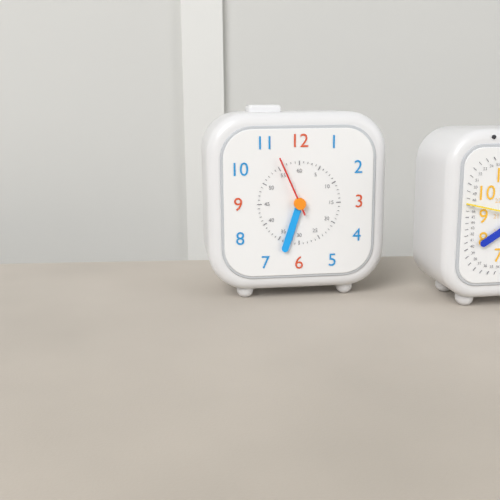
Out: h=6 m=33 s=56
